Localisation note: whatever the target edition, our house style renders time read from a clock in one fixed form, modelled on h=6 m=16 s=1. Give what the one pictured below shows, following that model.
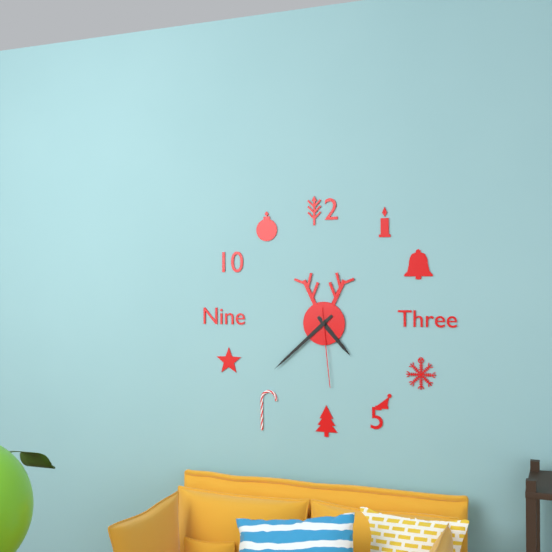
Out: h=4 m=38 s=29
